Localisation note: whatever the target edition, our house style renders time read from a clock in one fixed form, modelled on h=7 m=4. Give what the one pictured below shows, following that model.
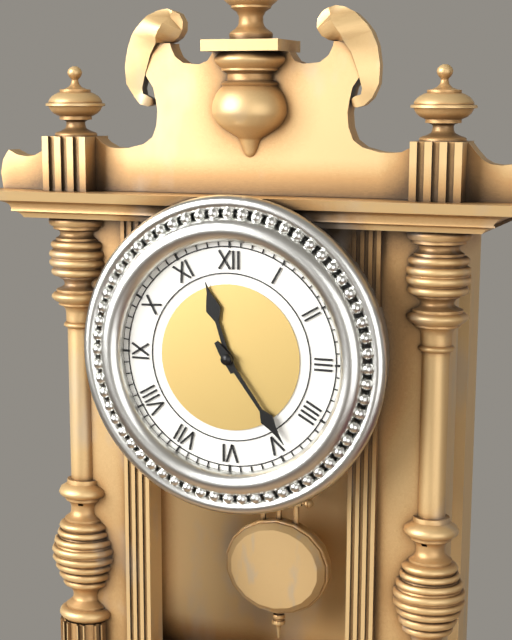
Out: h=11 m=24
